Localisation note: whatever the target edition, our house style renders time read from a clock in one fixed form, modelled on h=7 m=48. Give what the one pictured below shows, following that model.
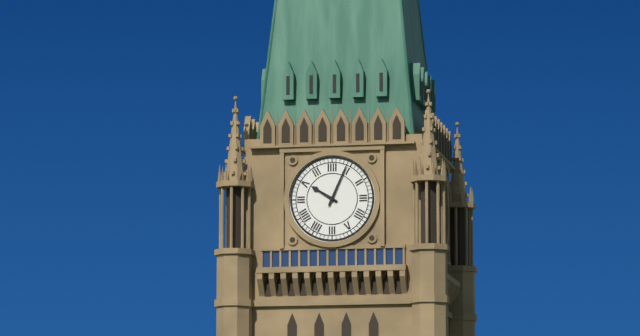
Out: h=10 m=4
